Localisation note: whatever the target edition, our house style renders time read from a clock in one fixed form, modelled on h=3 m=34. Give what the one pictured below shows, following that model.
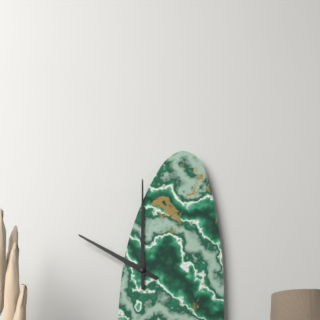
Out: h=10 m=0
